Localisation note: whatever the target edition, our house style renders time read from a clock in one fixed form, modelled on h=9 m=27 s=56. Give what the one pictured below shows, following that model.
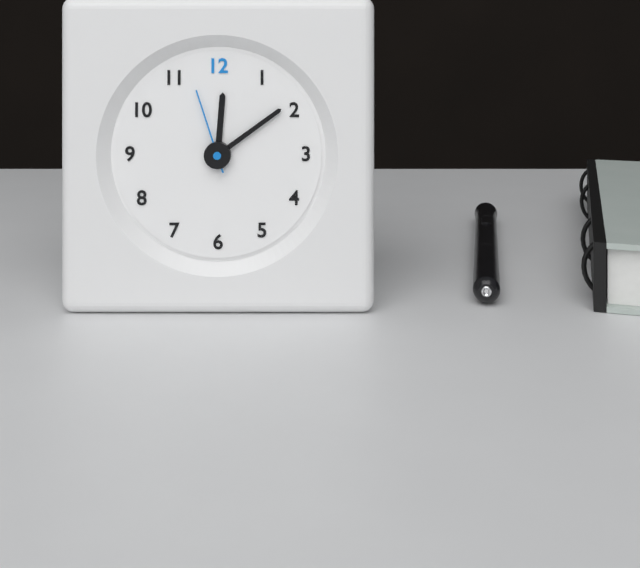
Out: h=12 m=9 s=57
